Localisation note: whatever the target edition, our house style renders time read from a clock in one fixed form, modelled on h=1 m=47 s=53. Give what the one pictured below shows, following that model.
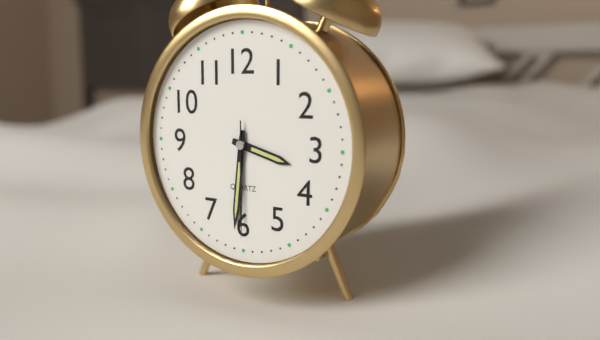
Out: h=3 m=31 s=30
